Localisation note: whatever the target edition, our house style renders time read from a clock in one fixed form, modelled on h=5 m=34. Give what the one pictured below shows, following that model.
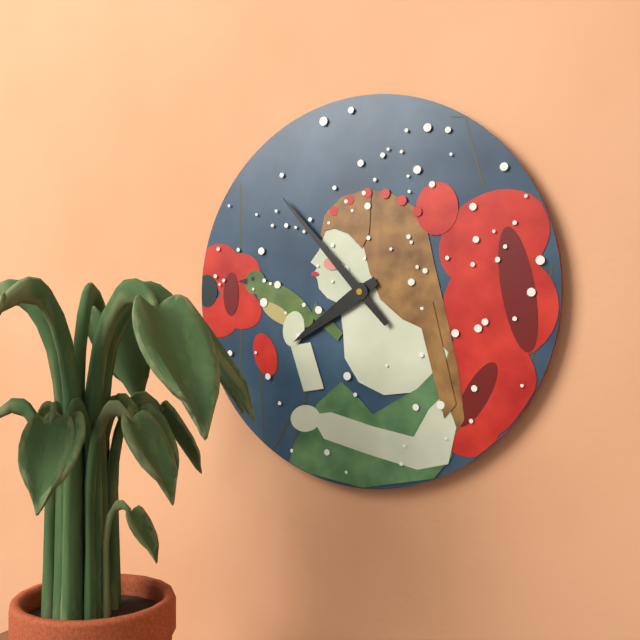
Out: h=7 m=53
